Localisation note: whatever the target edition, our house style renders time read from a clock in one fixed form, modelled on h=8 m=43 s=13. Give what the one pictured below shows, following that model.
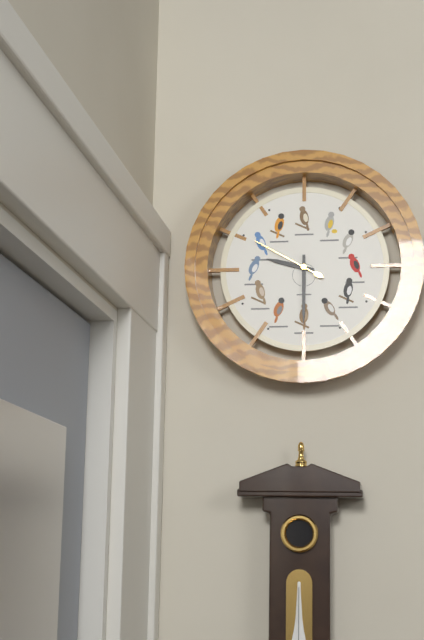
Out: h=9 m=30 s=50
